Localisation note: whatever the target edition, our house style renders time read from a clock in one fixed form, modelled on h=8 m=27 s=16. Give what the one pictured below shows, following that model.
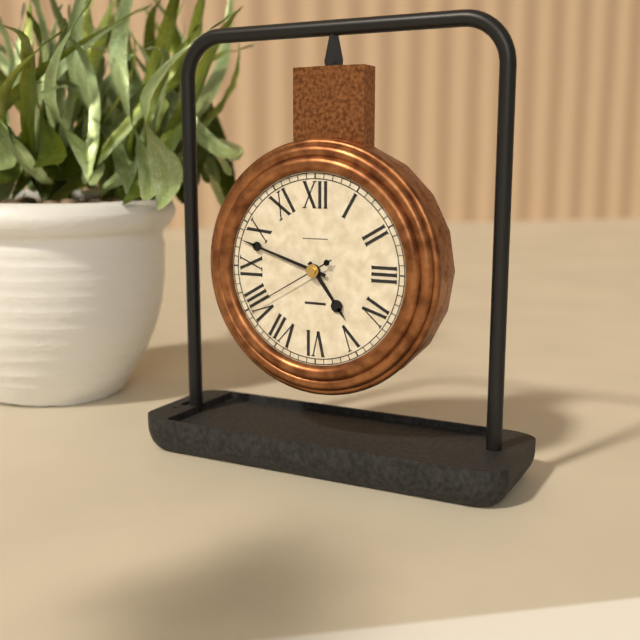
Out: h=4 m=48 s=40
